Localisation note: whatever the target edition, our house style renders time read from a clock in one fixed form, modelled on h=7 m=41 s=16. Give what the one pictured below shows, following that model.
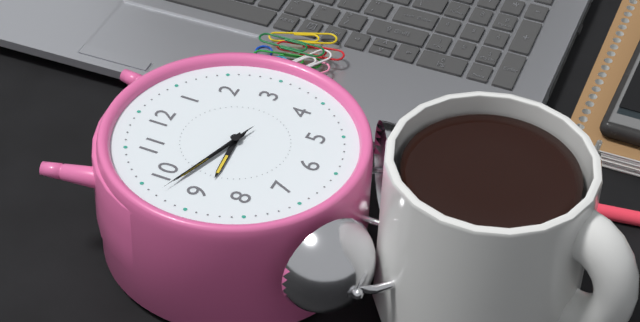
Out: h=8 m=48 s=48
